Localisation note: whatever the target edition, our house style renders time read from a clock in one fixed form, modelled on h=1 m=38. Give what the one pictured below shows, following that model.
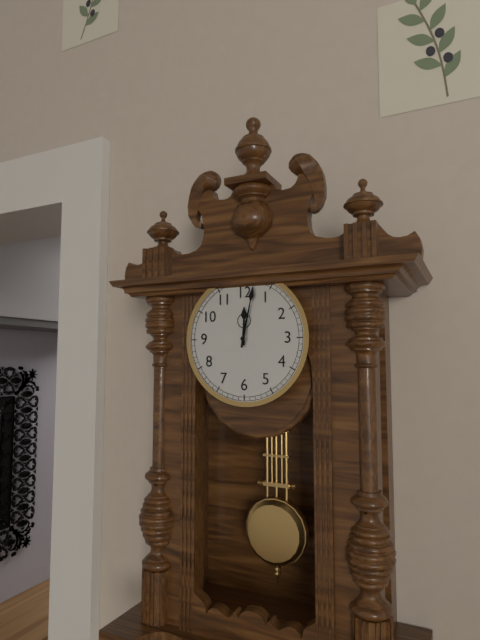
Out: h=12 m=2
